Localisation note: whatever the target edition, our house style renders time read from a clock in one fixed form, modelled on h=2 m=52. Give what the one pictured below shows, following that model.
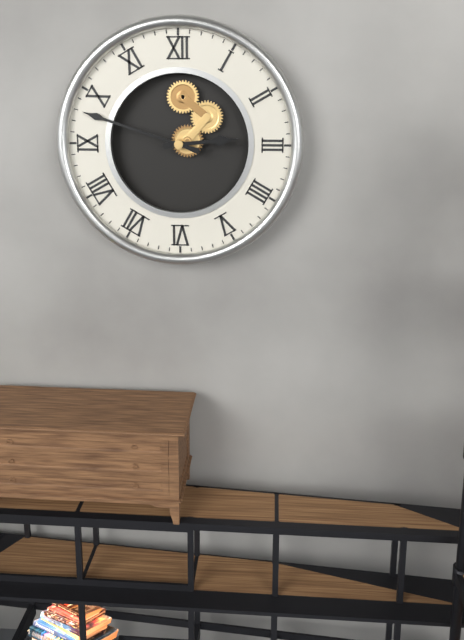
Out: h=2 m=48
